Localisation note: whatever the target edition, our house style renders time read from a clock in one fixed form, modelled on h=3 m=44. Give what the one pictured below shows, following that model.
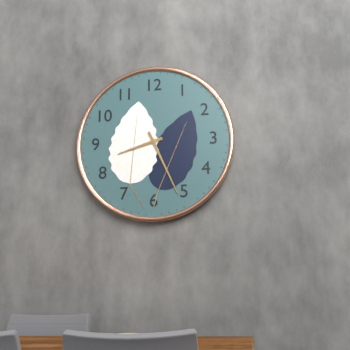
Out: h=8 m=26
